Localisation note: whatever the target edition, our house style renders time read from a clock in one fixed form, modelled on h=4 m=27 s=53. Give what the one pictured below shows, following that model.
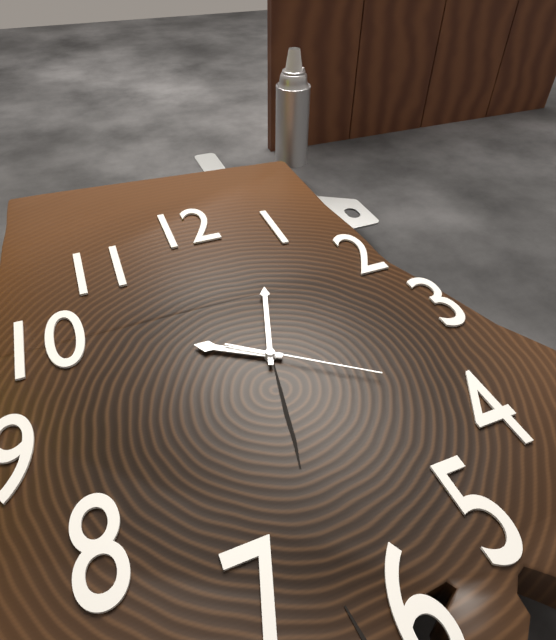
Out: h=10 m=3 s=21
